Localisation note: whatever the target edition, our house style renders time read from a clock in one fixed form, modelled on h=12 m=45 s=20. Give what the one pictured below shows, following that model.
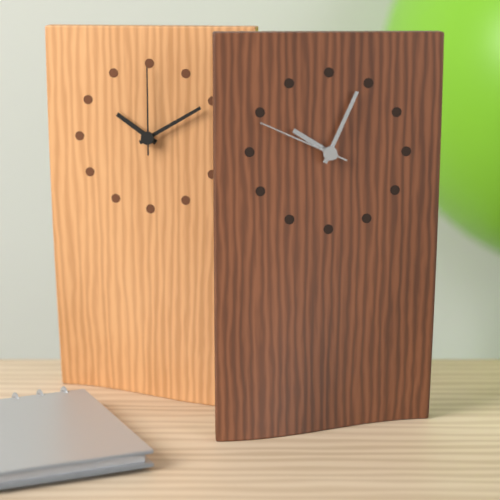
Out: h=10 m=4 s=49
